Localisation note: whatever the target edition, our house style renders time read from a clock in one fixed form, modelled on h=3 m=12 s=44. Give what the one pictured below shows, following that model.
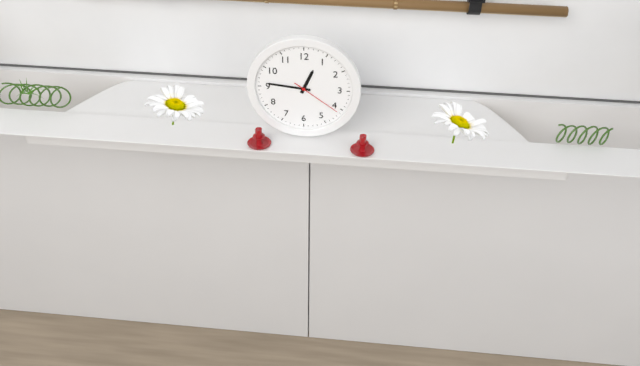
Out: h=12 m=46 s=21
